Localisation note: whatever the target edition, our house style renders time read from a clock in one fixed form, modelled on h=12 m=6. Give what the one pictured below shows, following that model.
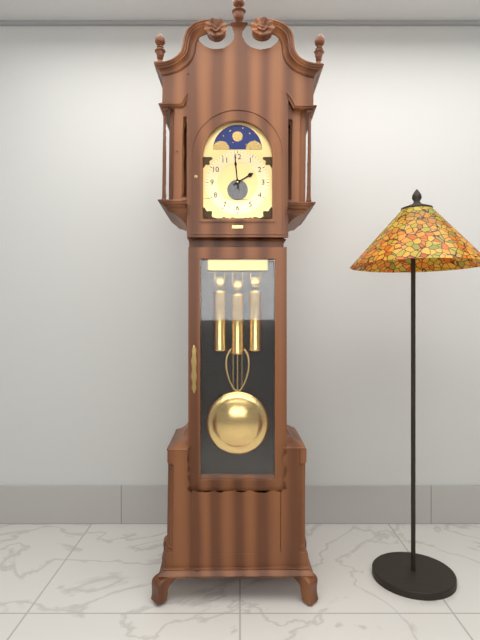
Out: h=1 m=59
